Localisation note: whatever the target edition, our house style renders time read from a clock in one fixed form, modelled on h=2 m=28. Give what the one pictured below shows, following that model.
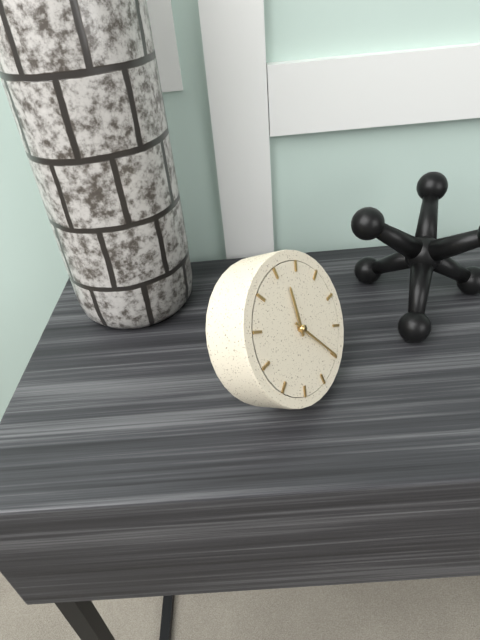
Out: h=12 m=25
